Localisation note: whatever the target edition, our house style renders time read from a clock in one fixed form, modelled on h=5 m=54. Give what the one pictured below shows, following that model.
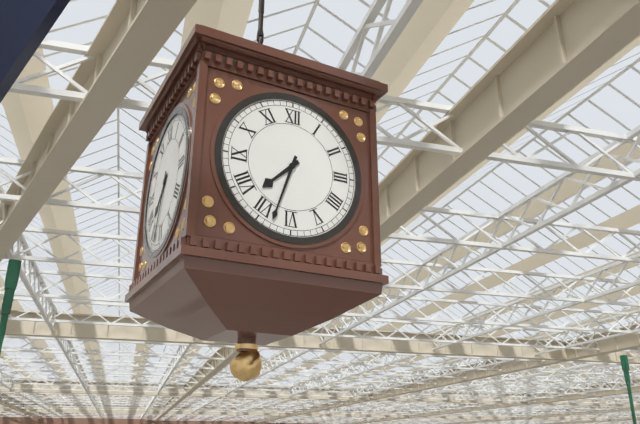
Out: h=7 m=33
